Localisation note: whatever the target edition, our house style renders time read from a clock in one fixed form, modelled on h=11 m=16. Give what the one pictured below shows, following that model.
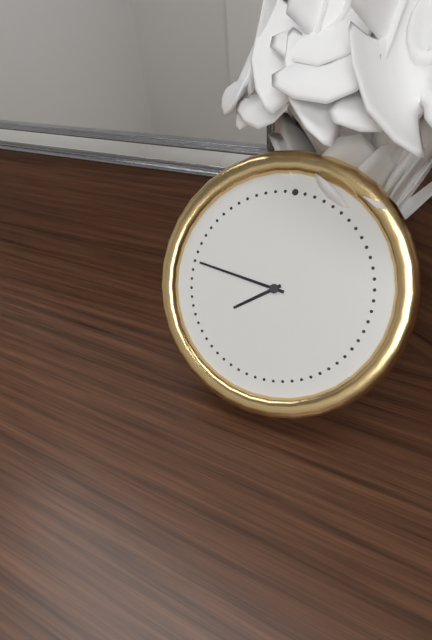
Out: h=7 m=46
